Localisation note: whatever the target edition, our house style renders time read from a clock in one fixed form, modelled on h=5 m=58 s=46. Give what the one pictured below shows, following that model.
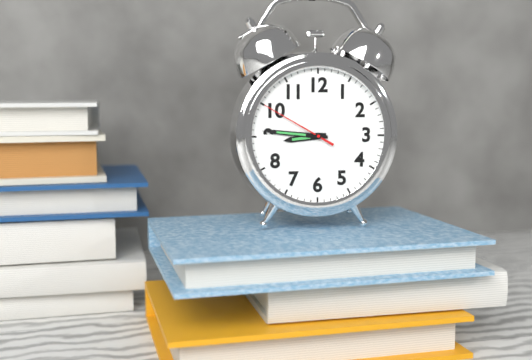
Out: h=8 m=46 s=50
